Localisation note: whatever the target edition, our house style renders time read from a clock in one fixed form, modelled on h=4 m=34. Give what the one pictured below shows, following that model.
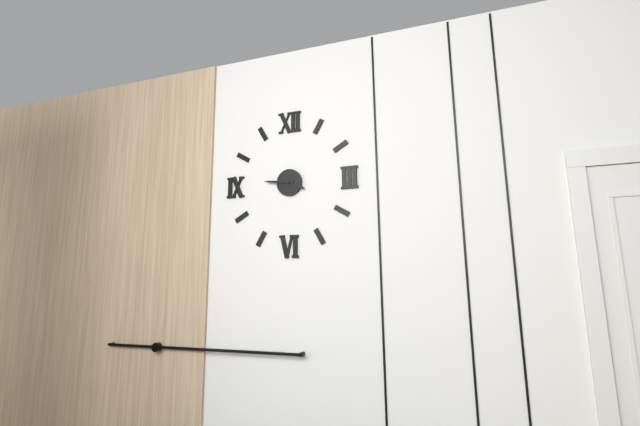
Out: h=3 m=46
